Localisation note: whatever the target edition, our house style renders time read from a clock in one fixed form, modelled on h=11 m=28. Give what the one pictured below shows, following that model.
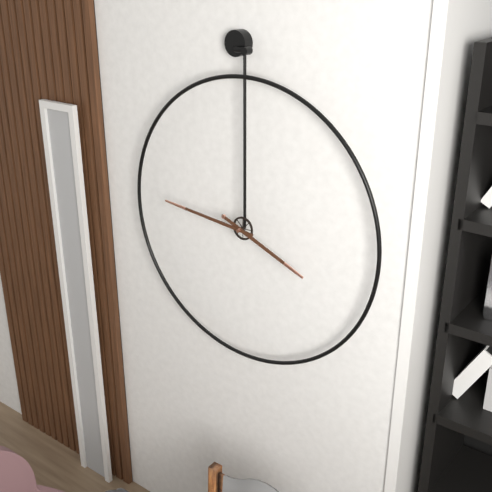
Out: h=3 m=46
